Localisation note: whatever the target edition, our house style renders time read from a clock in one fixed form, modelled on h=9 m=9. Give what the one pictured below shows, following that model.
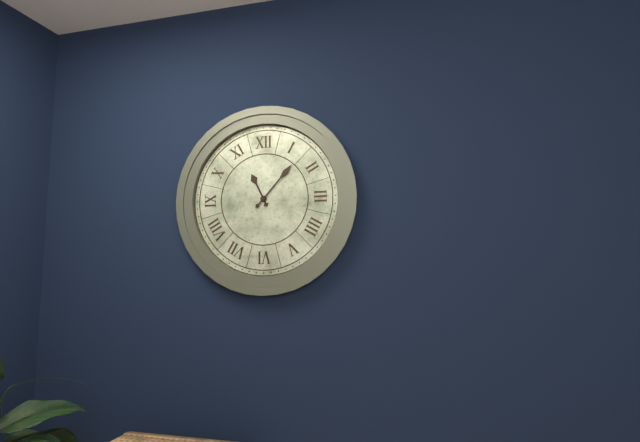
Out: h=11 m=7
